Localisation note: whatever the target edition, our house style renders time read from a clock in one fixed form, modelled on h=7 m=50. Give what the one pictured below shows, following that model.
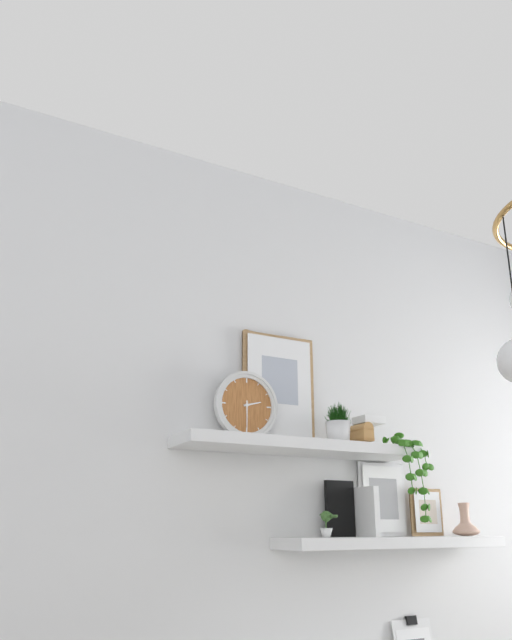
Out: h=2 m=30
